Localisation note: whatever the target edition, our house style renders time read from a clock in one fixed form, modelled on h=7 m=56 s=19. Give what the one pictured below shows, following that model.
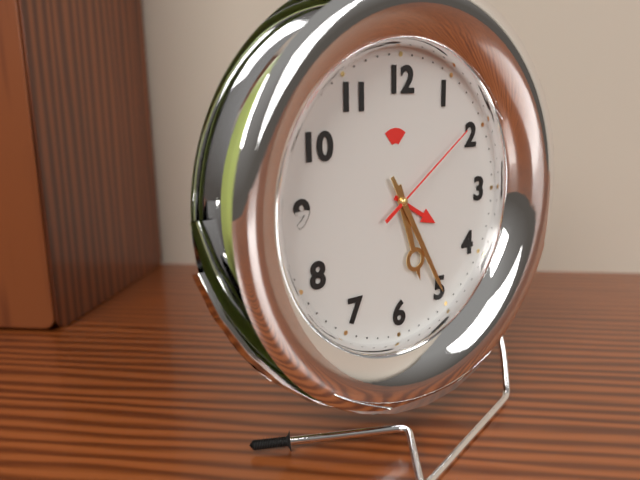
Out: h=5 m=25 s=9
